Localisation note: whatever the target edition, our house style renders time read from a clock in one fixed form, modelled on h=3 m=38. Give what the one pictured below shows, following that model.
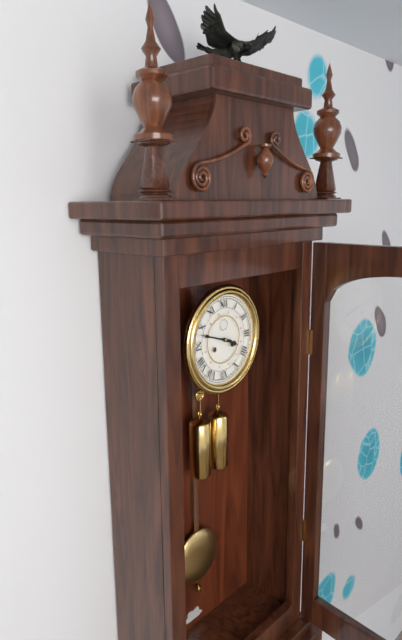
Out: h=3 m=48
